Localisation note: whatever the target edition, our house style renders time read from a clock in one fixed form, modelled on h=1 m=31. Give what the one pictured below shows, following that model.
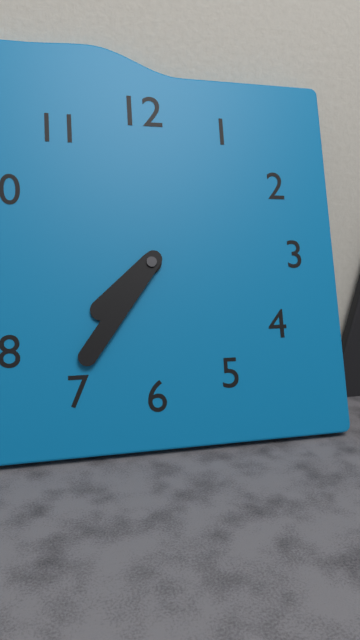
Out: h=7 m=36
